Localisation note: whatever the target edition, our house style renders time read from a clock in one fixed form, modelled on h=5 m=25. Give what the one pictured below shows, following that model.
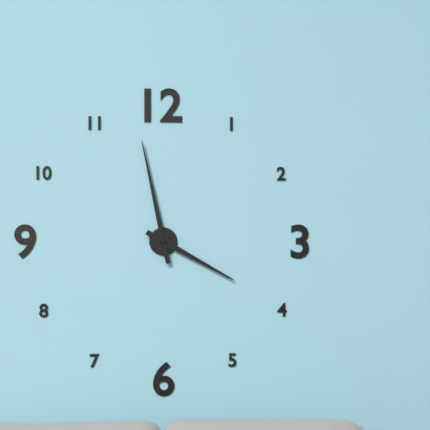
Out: h=3 m=58
